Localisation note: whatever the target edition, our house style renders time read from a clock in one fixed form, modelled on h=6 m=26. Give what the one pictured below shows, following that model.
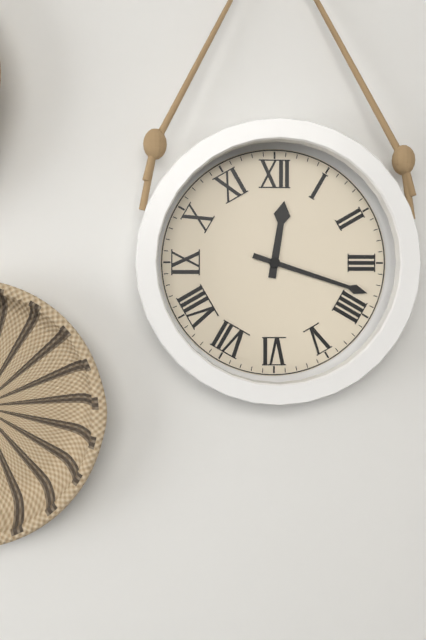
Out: h=12 m=18
